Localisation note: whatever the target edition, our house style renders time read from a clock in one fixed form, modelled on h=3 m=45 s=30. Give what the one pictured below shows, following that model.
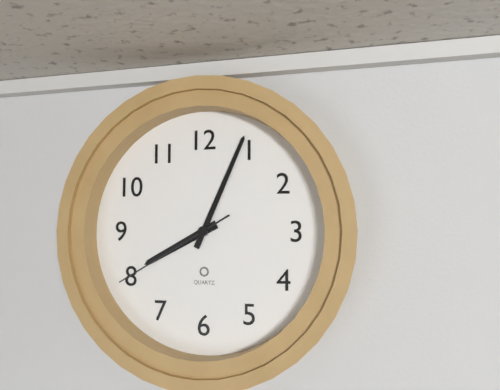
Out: h=8 m=4 s=40
